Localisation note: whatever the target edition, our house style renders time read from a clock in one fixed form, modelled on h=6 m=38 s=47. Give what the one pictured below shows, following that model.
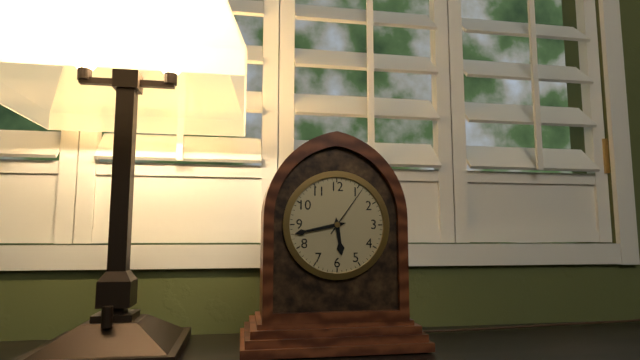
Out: h=5 m=43 s=6
